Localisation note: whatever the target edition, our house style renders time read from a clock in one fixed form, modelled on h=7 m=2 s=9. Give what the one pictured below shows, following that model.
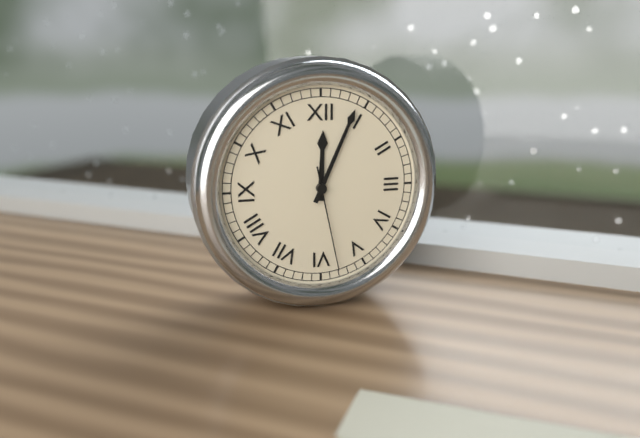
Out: h=12 m=4 s=28
